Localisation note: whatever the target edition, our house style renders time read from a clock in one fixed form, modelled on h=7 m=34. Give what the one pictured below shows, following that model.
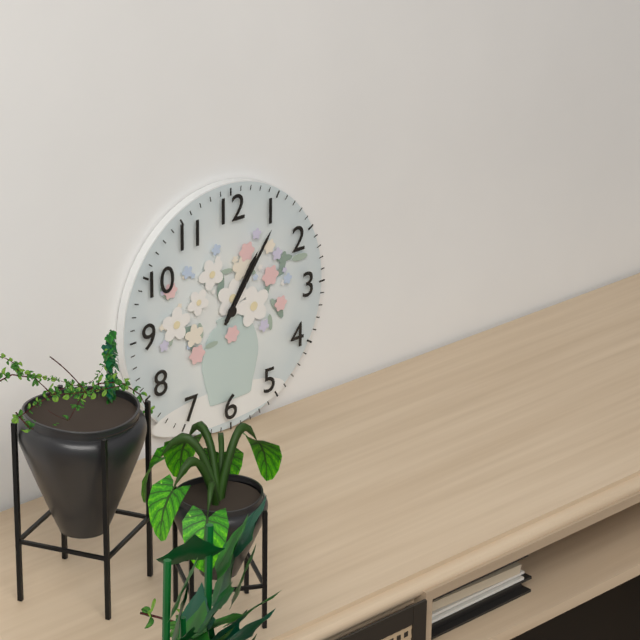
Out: h=1 m=6
